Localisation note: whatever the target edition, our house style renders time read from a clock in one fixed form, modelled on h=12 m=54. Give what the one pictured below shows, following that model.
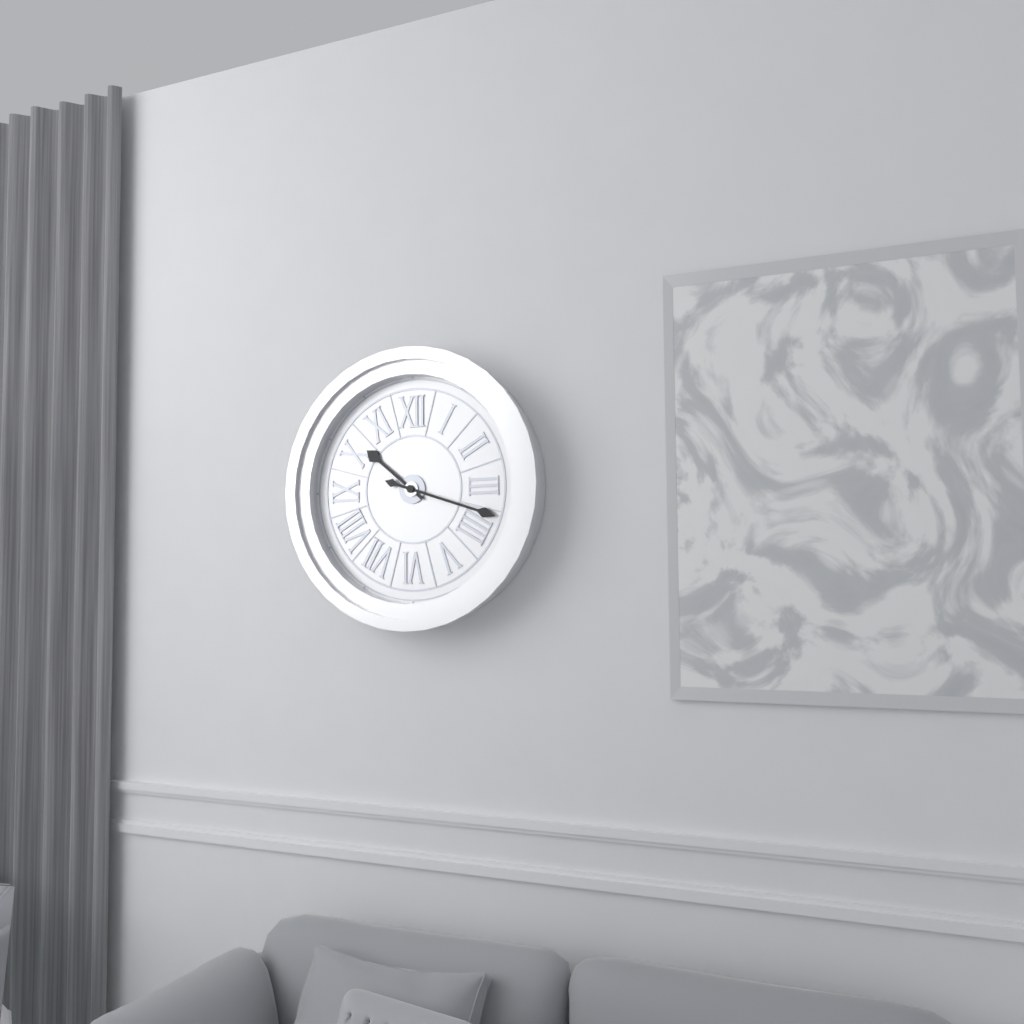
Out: h=10 m=18
